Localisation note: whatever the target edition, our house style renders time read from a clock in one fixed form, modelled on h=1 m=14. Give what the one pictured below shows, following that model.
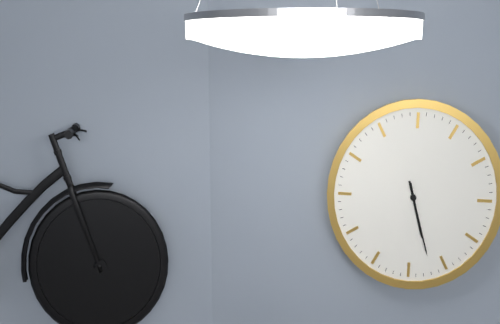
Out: h=5 m=27
